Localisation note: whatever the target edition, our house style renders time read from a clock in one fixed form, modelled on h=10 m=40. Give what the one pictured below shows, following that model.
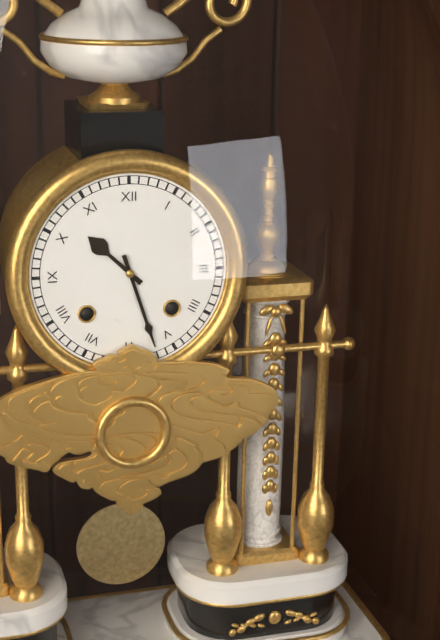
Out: h=10 m=27
